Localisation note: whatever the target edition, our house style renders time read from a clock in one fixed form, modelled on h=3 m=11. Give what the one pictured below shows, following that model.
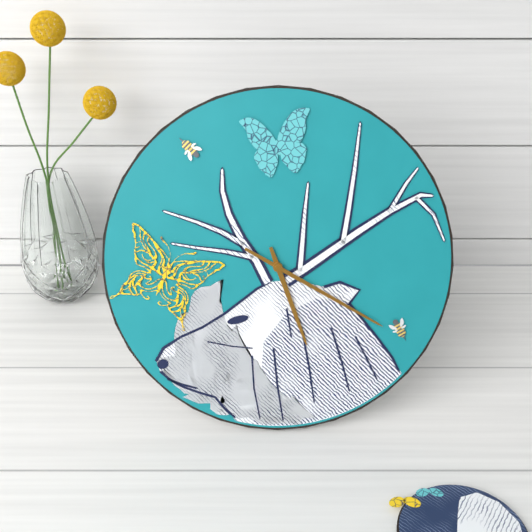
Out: h=5 m=20
